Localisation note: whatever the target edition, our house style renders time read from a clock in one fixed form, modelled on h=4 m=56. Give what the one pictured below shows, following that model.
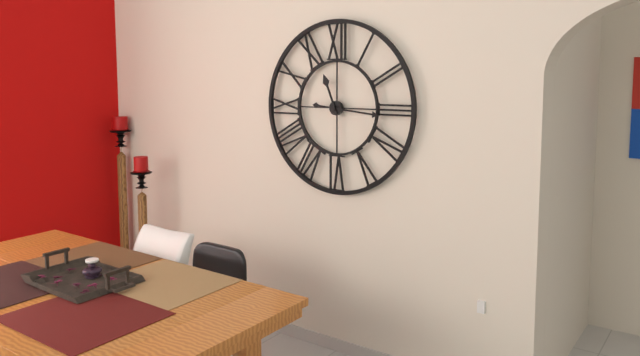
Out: h=11 m=16
